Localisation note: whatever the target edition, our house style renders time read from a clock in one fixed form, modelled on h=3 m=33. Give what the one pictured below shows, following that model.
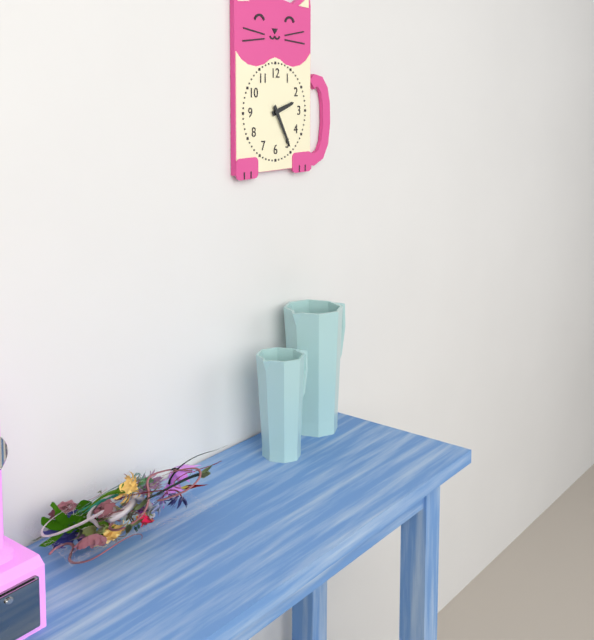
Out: h=2 m=25
